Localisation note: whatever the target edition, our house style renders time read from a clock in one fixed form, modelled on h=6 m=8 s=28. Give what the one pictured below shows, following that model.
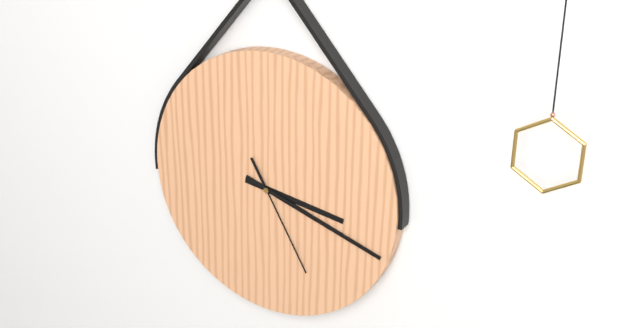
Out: h=3 m=18 s=25
